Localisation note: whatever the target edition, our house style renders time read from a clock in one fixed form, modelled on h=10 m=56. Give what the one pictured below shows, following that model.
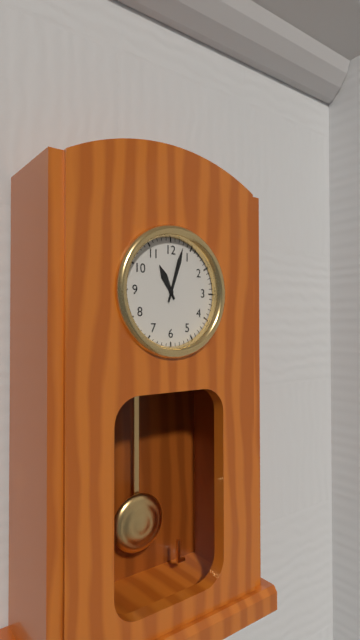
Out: h=11 m=3
